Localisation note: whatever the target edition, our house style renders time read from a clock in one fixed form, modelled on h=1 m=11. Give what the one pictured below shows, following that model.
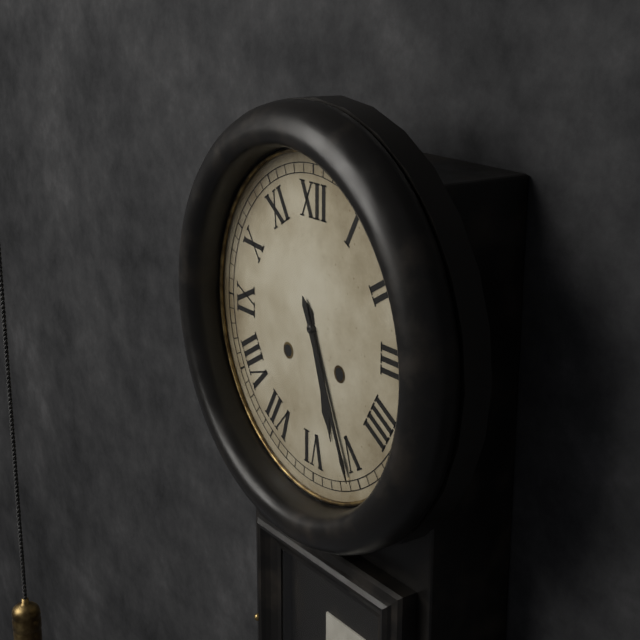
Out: h=5 m=26
